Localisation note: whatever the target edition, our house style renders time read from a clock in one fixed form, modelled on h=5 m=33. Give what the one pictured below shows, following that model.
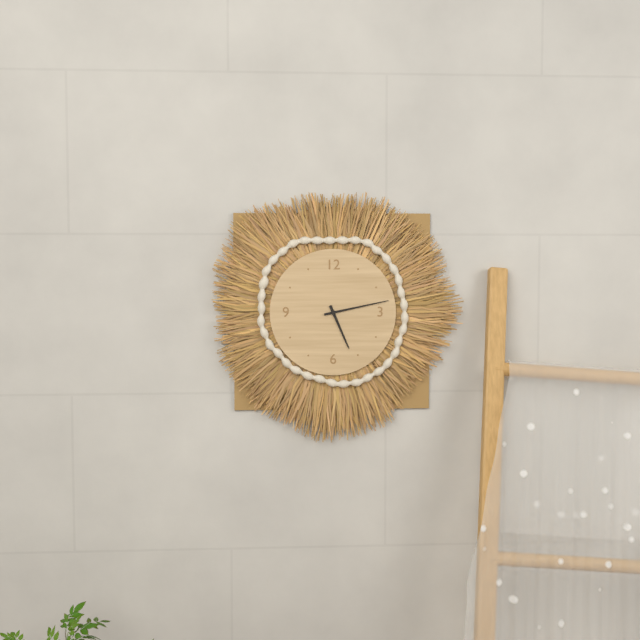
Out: h=5 m=13
